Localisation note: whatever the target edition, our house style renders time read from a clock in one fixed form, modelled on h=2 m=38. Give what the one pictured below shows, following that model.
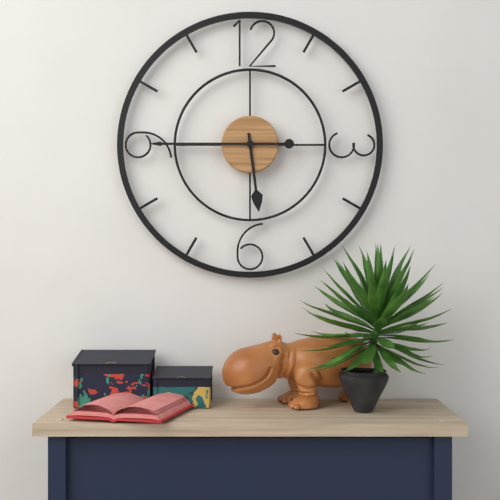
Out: h=5 m=45
